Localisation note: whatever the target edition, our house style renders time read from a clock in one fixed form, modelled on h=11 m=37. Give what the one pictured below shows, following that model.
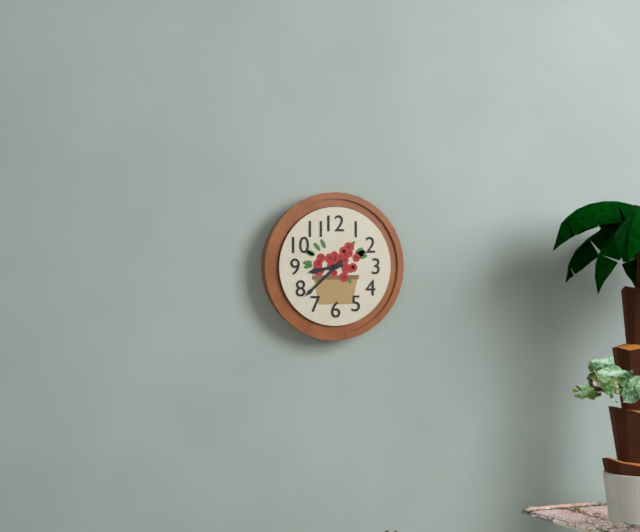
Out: h=8 m=38
